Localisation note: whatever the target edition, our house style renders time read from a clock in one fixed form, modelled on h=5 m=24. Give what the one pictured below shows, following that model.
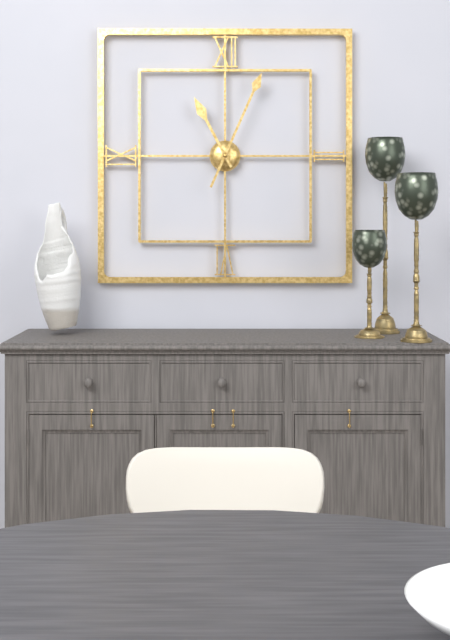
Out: h=11 m=4
